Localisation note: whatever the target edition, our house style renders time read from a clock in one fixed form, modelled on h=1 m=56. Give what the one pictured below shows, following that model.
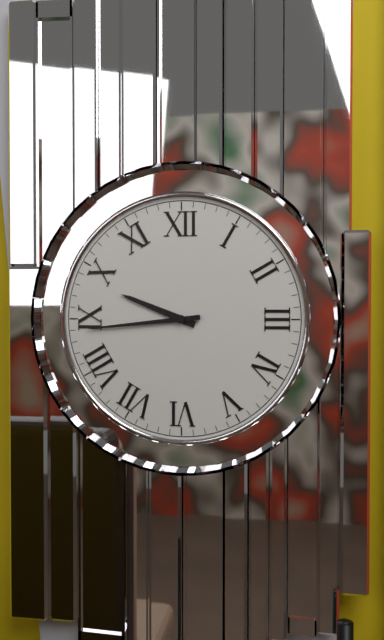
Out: h=9 m=44
